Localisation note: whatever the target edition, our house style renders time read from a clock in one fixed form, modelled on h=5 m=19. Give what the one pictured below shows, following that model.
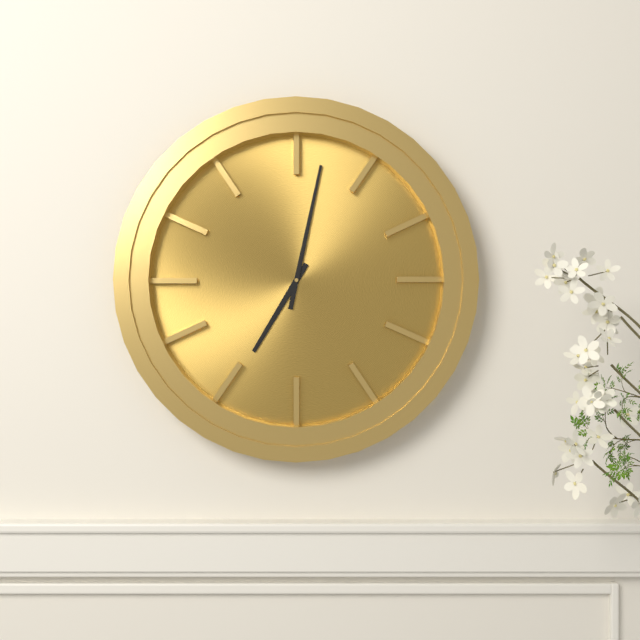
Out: h=7 m=2
